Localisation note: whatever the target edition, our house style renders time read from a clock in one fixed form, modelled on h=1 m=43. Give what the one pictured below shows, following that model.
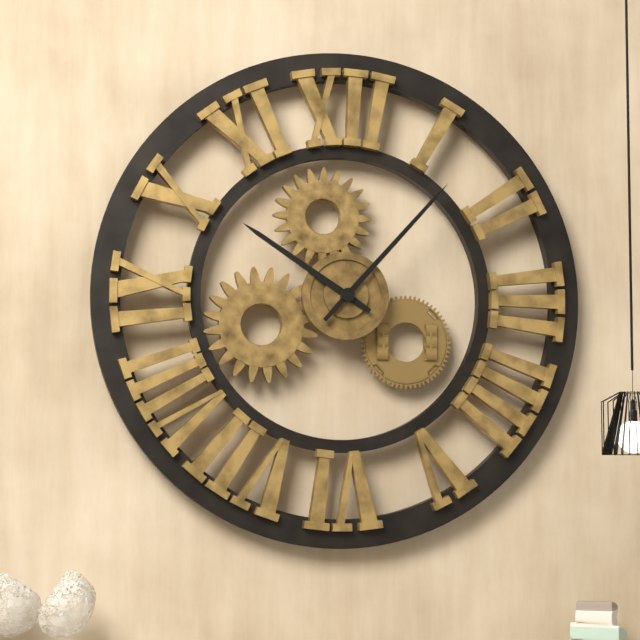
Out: h=10 m=7
